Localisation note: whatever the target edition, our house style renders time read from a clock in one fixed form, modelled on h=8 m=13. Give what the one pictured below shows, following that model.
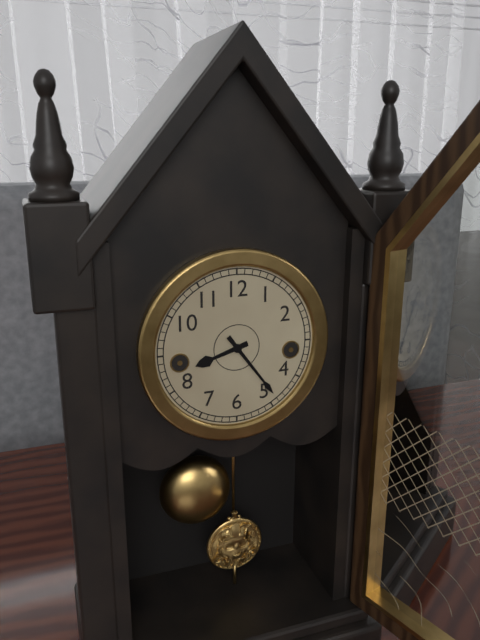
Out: h=8 m=24
